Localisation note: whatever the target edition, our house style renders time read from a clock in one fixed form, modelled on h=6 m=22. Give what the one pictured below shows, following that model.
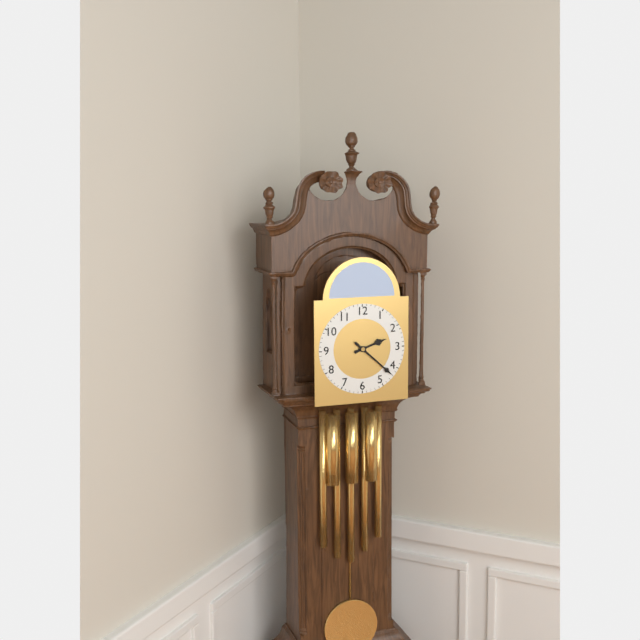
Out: h=2 m=22
